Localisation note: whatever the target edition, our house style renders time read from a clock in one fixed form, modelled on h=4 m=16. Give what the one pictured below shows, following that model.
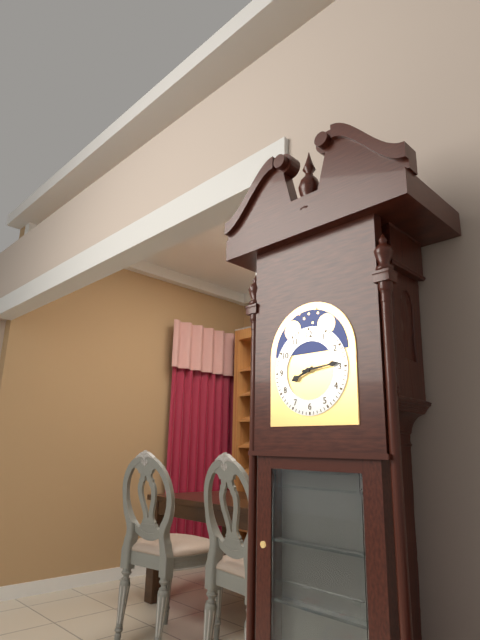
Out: h=8 m=14
